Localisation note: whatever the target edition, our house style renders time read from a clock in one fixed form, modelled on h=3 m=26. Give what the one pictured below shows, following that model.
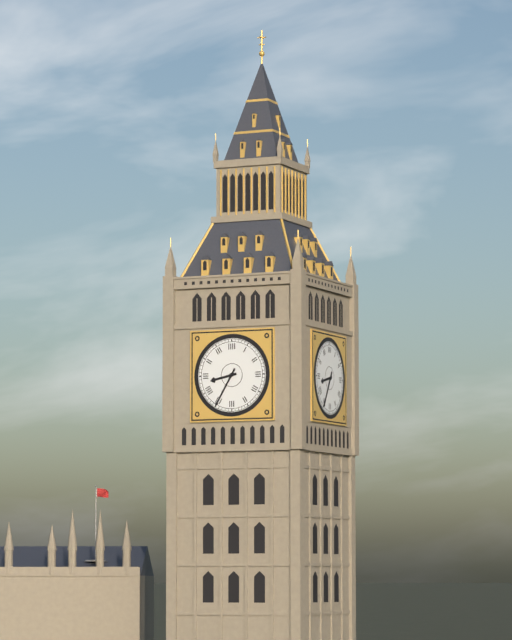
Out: h=8 m=35
